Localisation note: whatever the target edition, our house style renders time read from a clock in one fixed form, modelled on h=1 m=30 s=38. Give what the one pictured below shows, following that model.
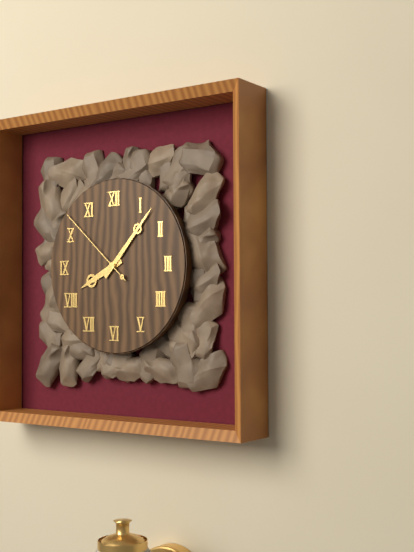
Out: h=8 m=7 s=52
